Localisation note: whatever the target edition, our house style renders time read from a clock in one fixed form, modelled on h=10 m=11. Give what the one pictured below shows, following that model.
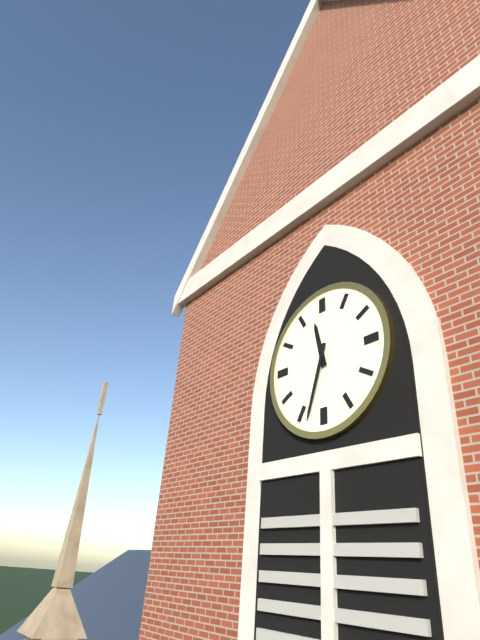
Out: h=11 m=33
